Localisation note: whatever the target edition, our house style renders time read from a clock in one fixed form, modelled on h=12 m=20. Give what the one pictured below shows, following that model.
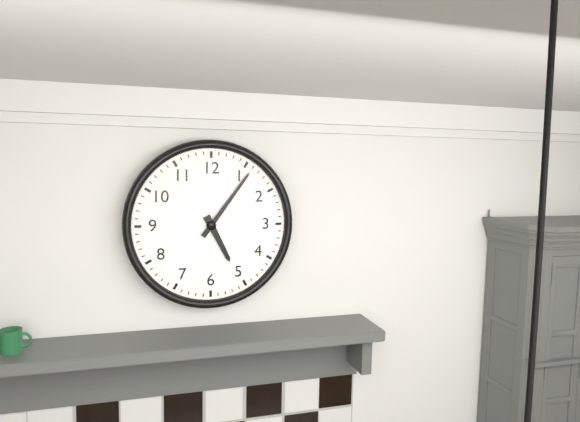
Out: h=5 m=6
